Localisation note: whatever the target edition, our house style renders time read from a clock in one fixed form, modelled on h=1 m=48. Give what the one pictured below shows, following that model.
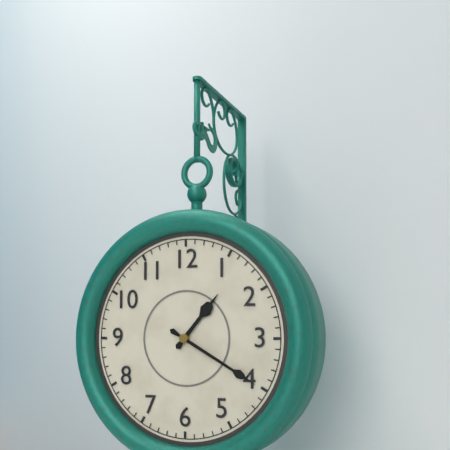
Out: h=1 m=20
